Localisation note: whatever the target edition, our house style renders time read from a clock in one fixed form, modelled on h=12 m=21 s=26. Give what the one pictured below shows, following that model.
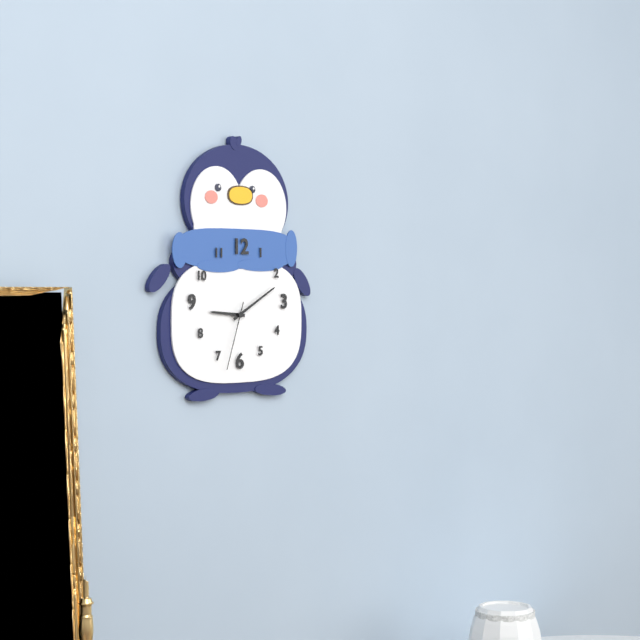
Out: h=9 m=10 s=33
